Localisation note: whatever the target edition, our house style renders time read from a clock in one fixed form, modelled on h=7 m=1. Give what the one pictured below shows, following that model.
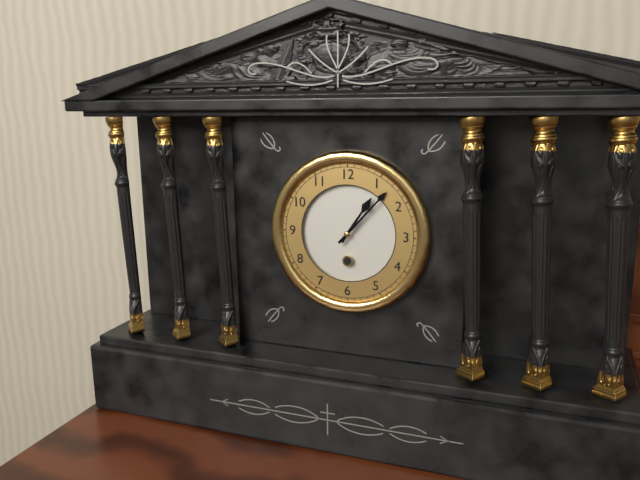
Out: h=1 m=7
